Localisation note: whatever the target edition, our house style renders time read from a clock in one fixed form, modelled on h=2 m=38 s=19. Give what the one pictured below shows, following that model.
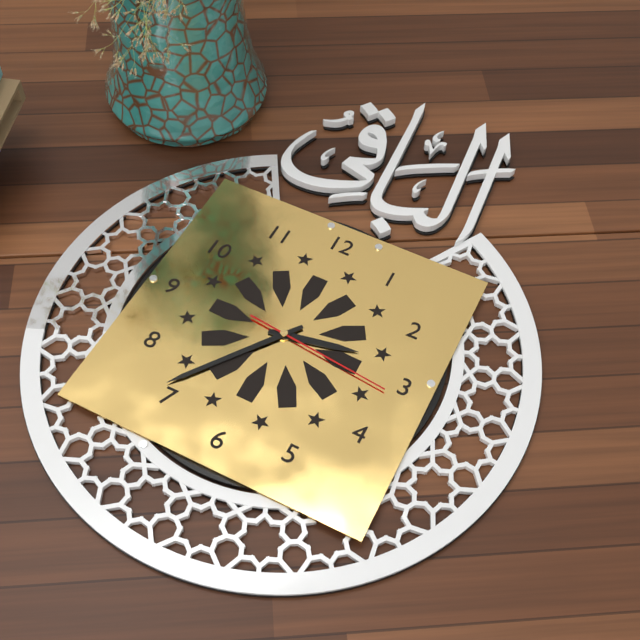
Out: h=2 m=36 s=16
